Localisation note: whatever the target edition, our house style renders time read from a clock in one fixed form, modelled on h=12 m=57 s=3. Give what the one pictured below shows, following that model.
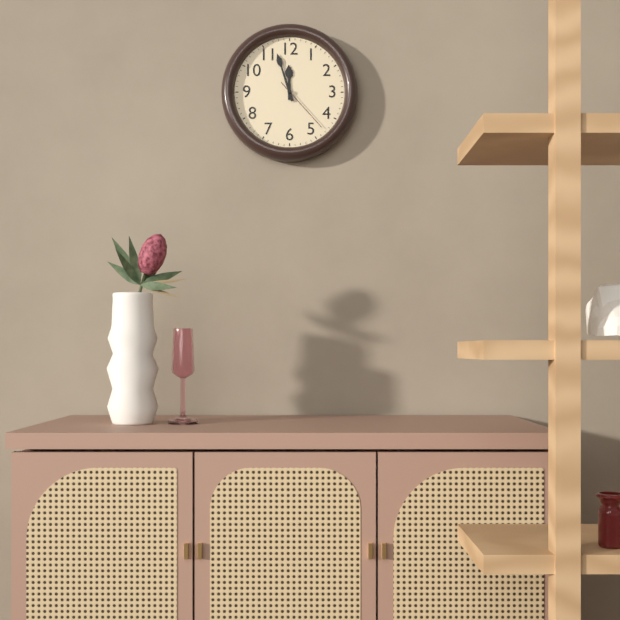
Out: h=11 m=57 s=23
